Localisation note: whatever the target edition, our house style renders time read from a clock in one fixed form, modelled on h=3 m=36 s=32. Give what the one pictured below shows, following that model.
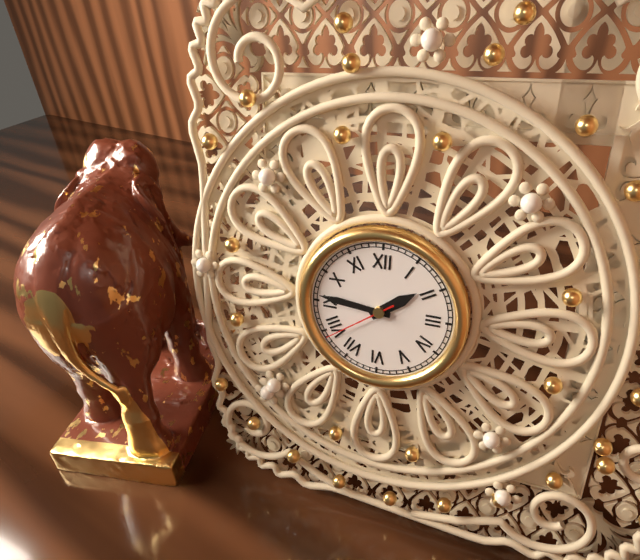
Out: h=1 m=46 s=39
